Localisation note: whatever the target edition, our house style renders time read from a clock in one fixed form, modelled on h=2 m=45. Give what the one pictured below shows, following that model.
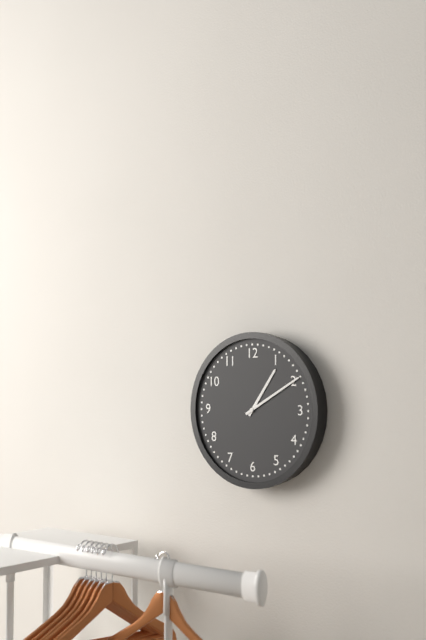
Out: h=1 m=10
